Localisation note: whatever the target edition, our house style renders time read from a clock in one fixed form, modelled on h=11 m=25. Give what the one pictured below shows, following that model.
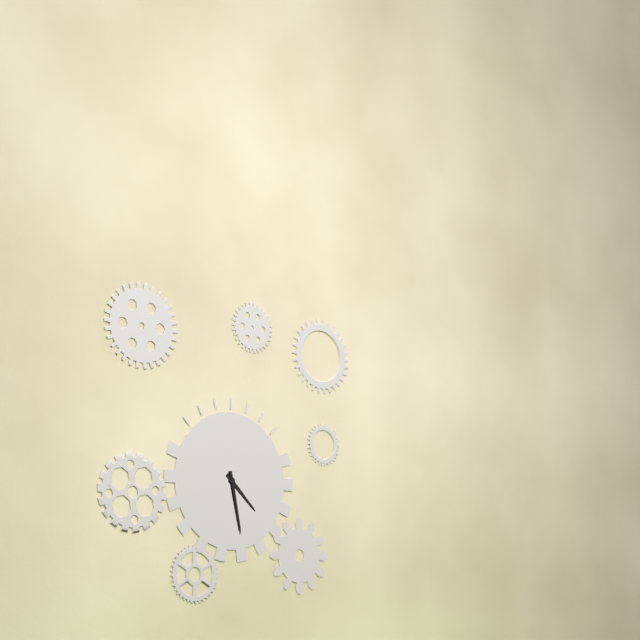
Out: h=4 m=28
